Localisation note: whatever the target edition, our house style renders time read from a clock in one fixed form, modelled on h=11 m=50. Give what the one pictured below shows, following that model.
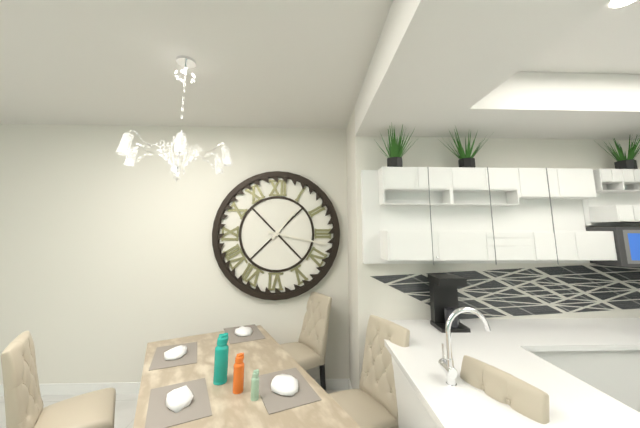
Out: h=1 m=17
